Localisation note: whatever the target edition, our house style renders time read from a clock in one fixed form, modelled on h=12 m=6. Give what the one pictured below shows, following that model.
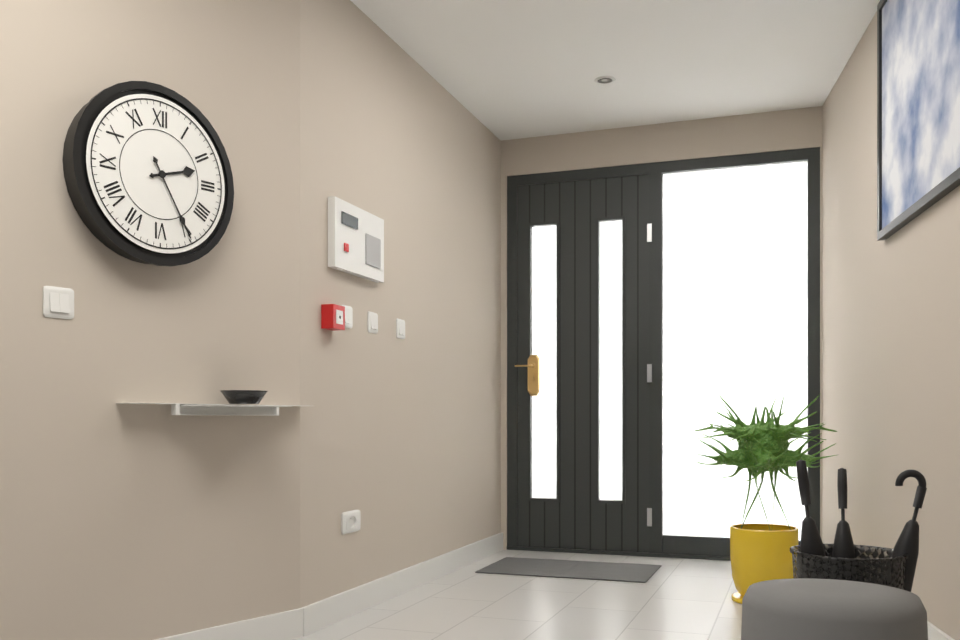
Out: h=2 m=25
